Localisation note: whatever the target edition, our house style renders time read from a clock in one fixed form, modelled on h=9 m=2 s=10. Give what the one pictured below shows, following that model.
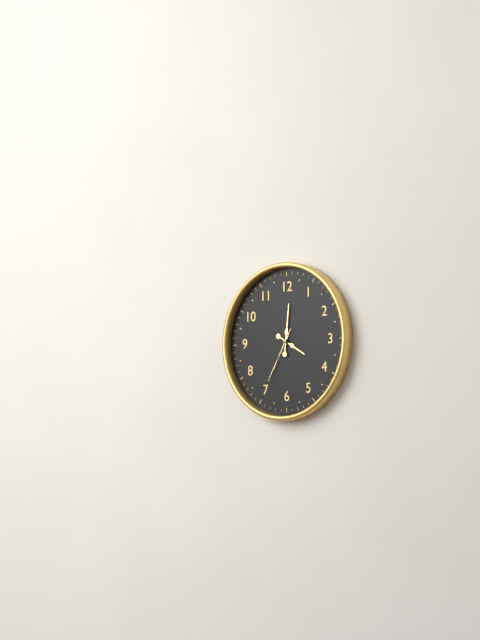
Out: h=4 m=1 s=35
